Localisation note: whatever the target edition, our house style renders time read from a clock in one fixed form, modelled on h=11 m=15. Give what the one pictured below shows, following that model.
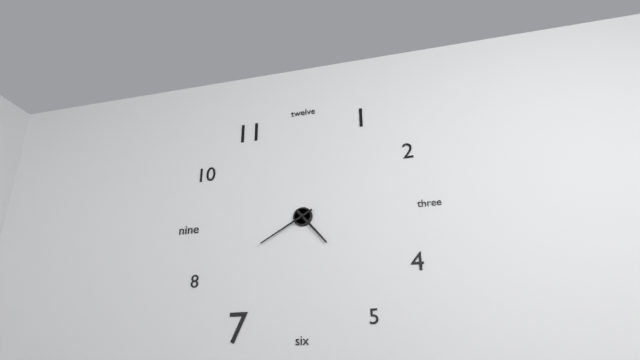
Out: h=4 m=40
